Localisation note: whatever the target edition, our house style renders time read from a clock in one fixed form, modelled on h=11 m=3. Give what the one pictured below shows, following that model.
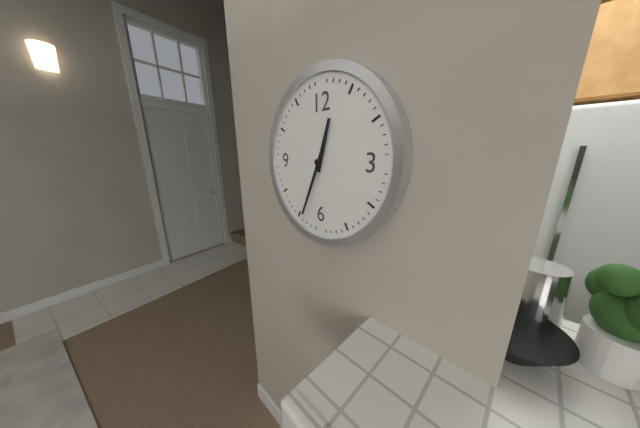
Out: h=12 m=34
